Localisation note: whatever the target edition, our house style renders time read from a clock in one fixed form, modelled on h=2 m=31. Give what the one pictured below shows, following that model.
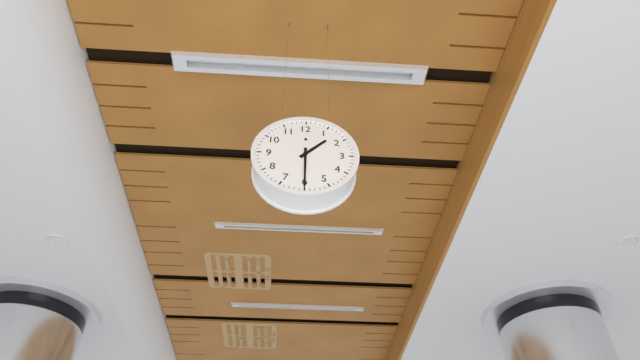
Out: h=1 m=30
